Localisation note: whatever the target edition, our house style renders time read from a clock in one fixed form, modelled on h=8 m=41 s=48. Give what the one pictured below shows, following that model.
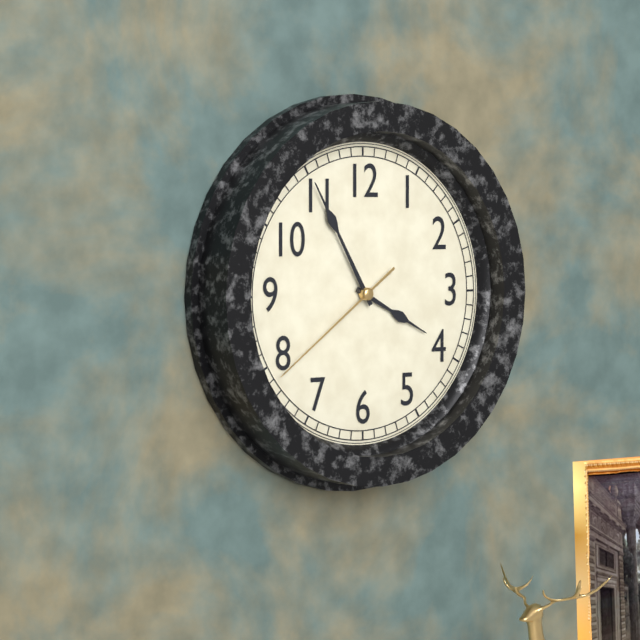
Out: h=3 m=55 s=39
